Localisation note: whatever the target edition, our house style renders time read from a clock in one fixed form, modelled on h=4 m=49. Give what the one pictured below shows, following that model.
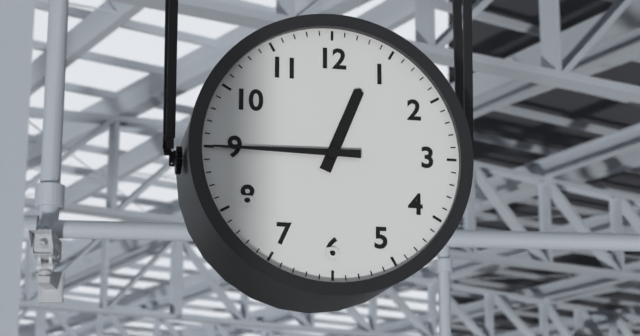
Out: h=12 m=45
